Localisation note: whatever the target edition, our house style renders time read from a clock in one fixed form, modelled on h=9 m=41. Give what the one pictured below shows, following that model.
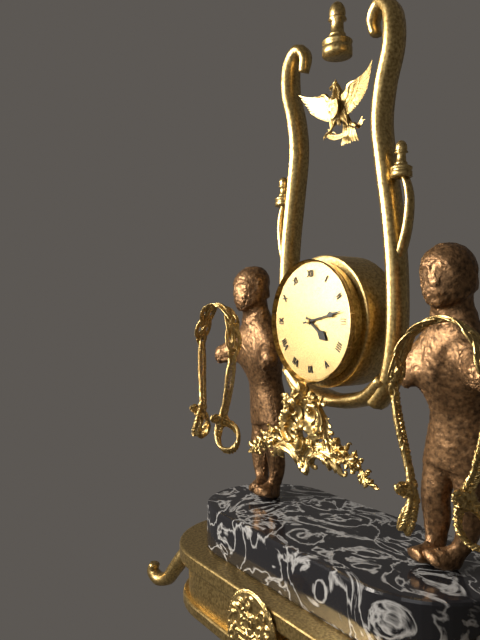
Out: h=4 m=13
